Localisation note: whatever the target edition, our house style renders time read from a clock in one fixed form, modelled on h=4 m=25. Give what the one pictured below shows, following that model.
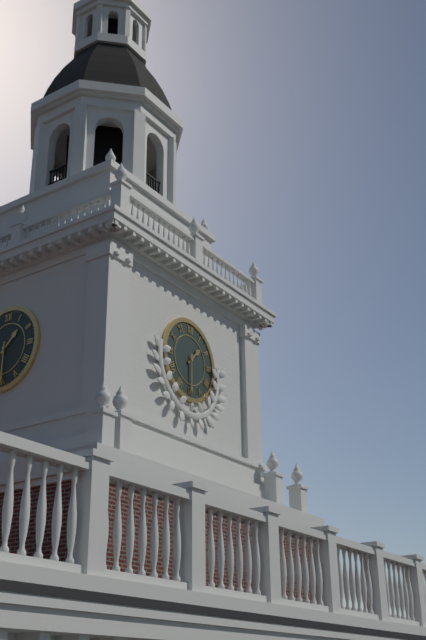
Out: h=1 m=30
